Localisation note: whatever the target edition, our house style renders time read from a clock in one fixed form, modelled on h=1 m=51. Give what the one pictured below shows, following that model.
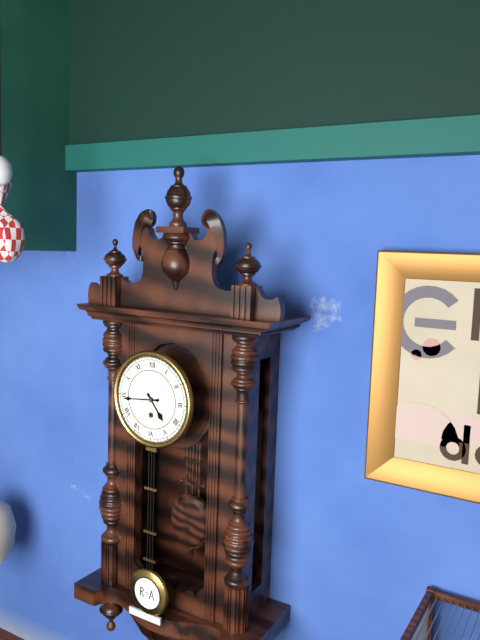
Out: h=4 m=44
